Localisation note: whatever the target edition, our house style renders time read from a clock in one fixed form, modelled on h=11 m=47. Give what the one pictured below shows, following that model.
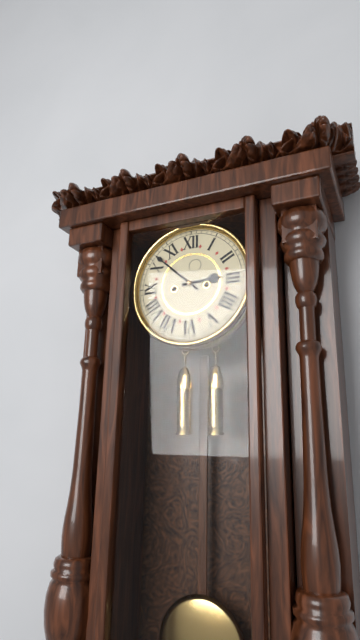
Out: h=2 m=52
